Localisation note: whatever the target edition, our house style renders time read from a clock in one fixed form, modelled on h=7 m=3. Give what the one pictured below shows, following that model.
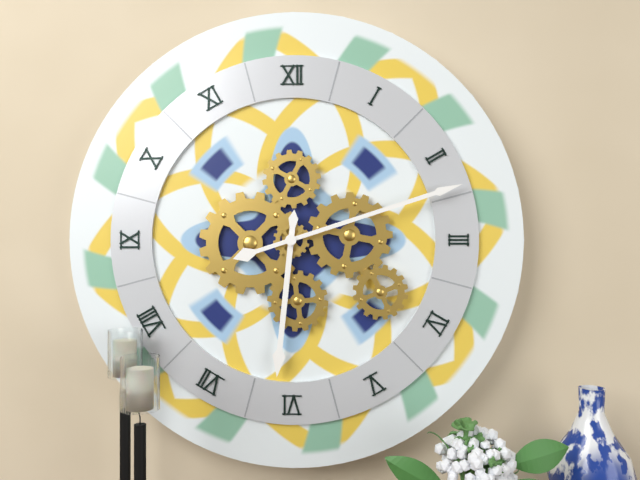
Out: h=6 m=12
